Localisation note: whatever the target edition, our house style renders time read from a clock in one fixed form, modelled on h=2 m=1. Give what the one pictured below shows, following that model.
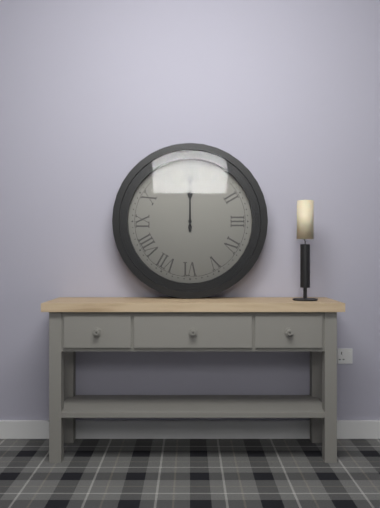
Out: h=12 m=0
